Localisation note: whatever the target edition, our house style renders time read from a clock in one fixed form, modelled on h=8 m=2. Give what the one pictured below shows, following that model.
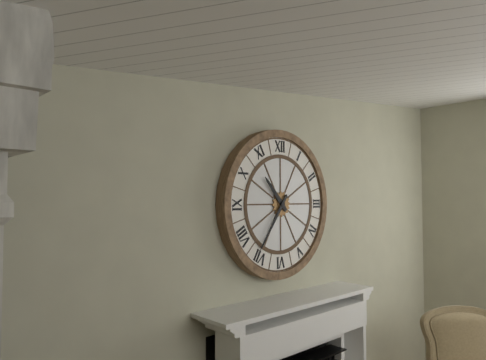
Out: h=10 m=36
